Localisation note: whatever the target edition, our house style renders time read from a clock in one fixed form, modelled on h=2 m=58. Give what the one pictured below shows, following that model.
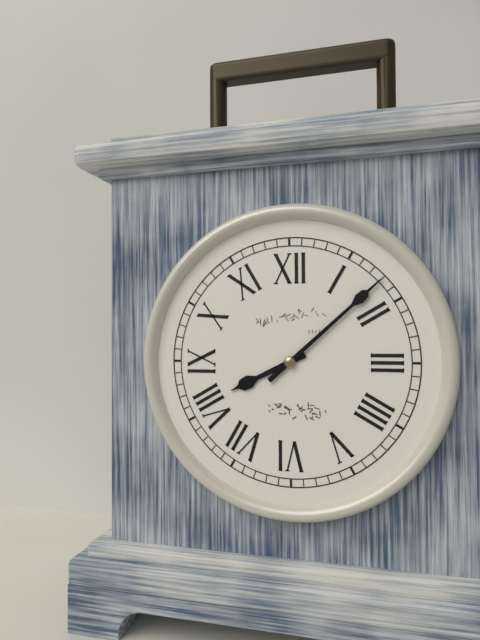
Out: h=8 m=8
